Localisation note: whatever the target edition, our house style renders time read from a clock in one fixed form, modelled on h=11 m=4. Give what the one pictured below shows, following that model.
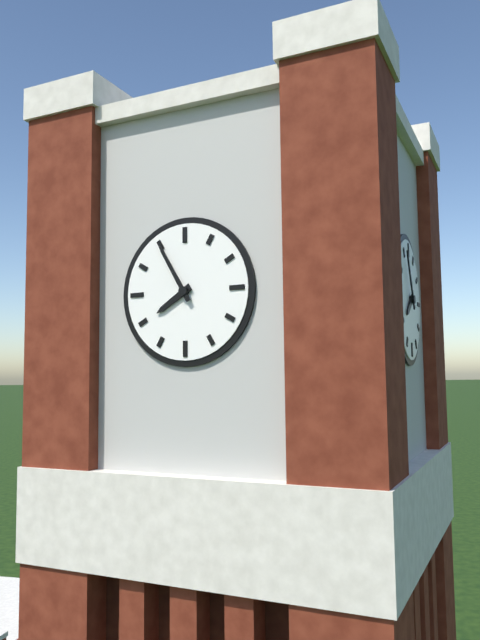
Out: h=7 m=55
